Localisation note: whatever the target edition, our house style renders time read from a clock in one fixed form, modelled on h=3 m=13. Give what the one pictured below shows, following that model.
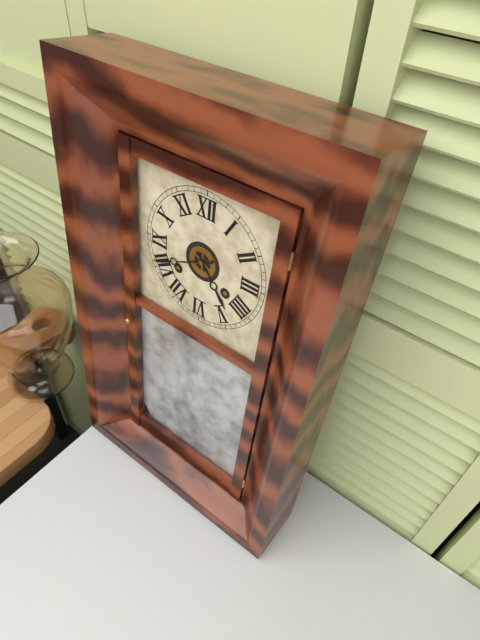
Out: h=4 m=41
